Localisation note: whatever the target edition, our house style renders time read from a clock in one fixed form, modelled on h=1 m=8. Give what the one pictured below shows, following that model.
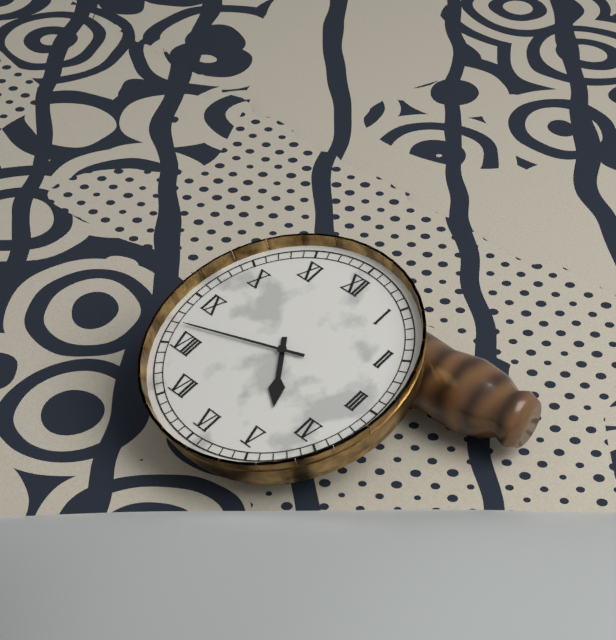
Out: h=4 m=42
